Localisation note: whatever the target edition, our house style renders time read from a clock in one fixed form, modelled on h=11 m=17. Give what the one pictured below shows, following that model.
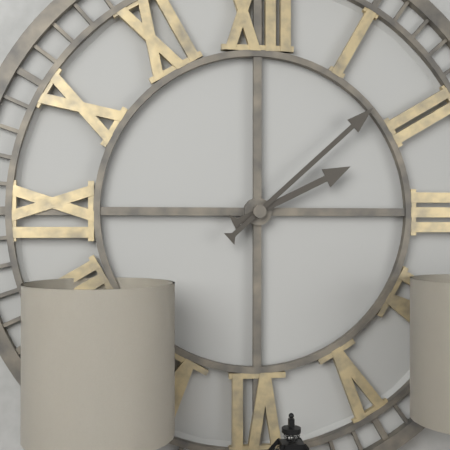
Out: h=2 m=8
